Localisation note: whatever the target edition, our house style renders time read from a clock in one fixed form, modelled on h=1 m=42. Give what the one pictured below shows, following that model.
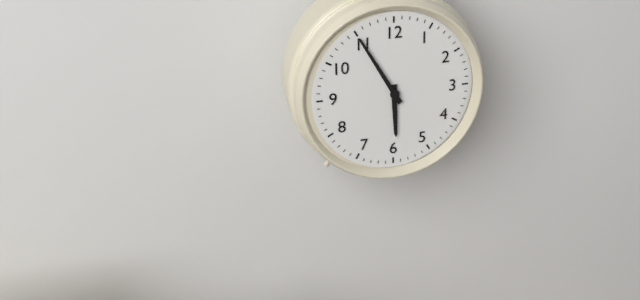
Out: h=5 m=55
